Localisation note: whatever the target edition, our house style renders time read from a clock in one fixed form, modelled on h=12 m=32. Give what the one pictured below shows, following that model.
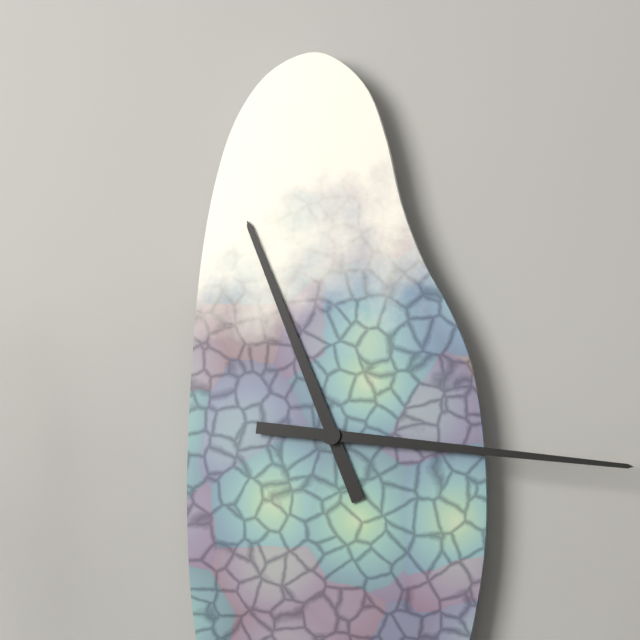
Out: h=11 m=16
